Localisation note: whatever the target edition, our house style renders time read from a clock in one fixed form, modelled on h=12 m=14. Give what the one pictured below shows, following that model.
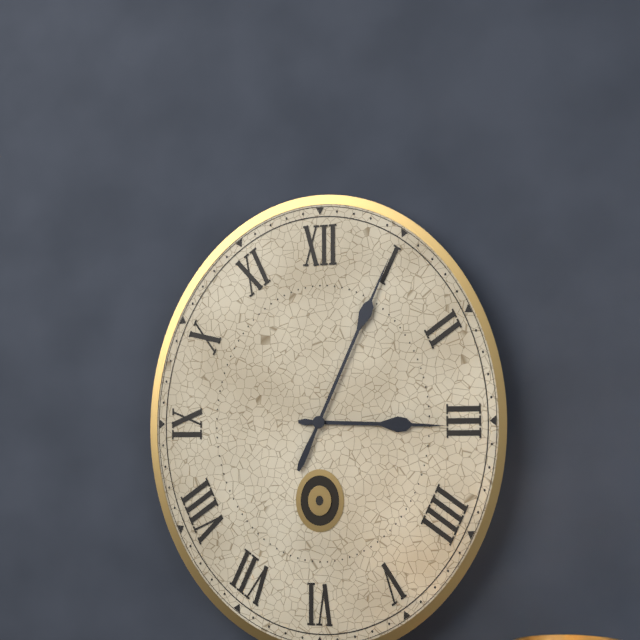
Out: h=3 m=4
